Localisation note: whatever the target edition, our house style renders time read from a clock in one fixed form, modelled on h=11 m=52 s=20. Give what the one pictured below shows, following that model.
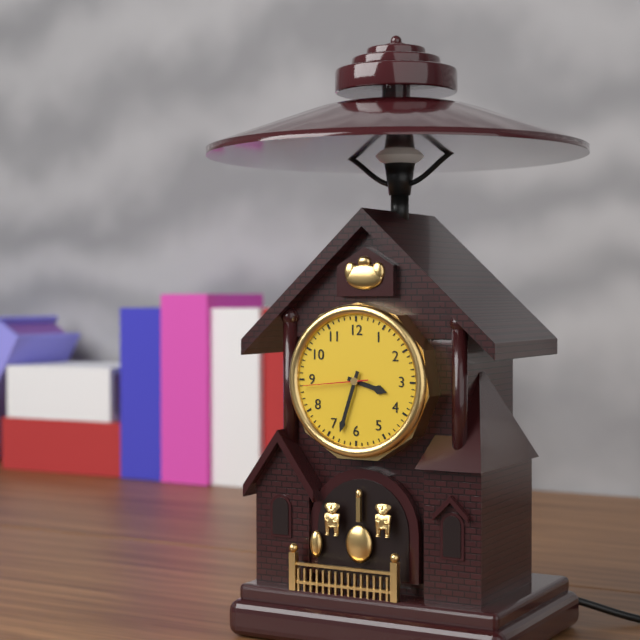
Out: h=3 m=33 s=44
